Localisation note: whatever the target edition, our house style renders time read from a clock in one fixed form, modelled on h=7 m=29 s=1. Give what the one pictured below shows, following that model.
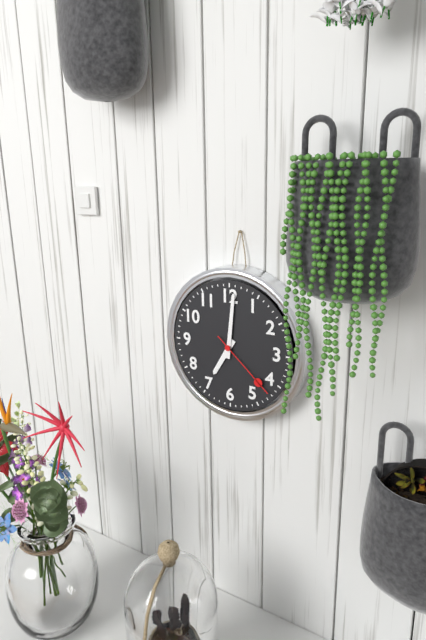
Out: h=7 m=1 s=22
